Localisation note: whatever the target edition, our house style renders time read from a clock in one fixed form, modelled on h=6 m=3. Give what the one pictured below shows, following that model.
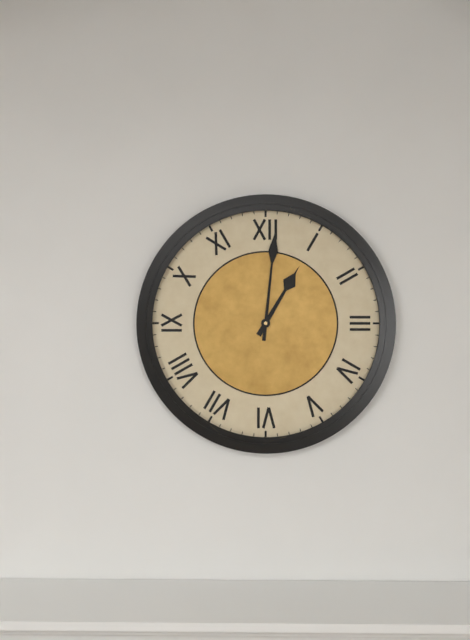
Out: h=1 m=1
